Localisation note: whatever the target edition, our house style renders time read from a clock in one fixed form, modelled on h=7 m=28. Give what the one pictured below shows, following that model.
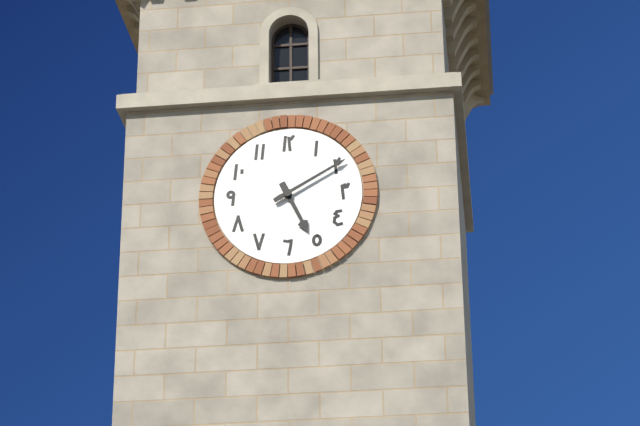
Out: h=5 m=10
